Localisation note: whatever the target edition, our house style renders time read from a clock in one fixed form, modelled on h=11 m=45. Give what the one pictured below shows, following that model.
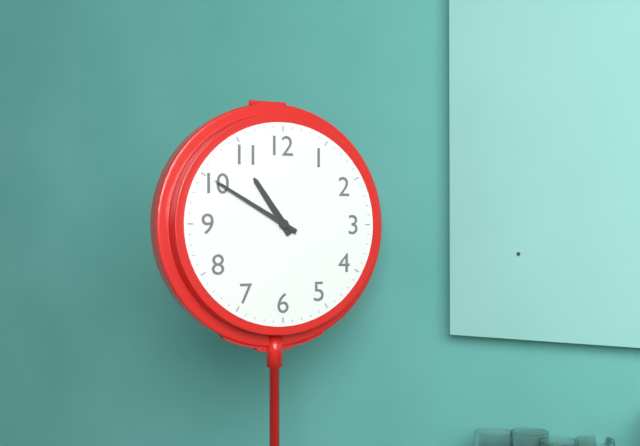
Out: h=10 m=50
